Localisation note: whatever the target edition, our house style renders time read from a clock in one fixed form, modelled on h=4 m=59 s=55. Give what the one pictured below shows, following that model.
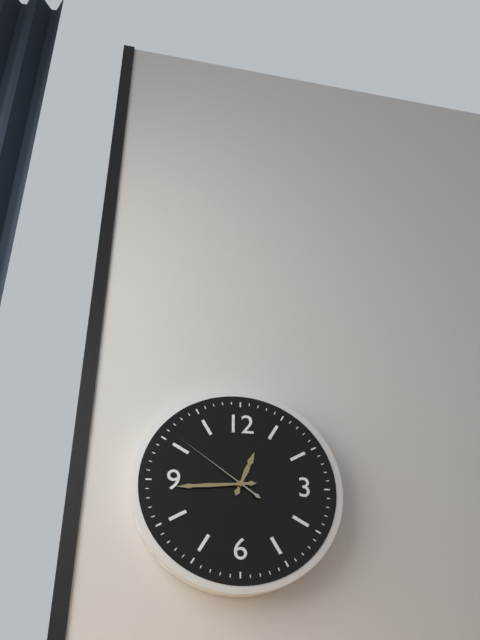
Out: h=12 m=44 s=51
